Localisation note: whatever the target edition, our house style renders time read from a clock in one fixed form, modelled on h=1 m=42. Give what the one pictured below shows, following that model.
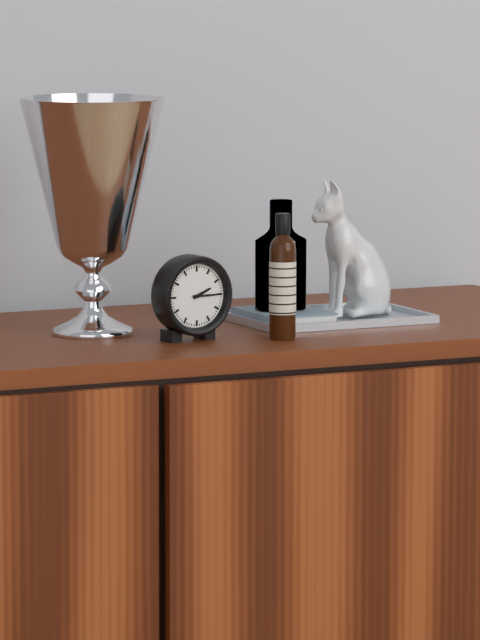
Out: h=2 m=15
